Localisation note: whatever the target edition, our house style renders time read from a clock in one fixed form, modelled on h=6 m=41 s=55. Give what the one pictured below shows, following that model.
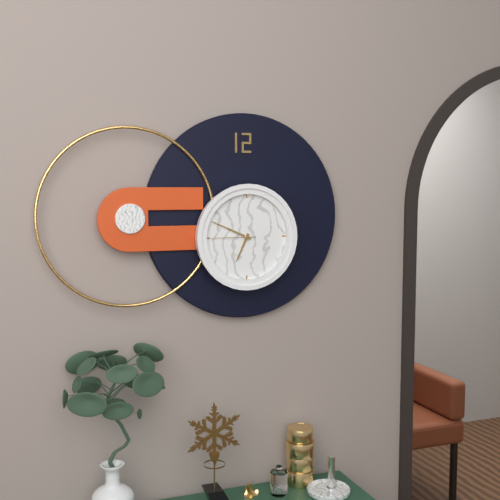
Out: h=6 m=49 s=45
